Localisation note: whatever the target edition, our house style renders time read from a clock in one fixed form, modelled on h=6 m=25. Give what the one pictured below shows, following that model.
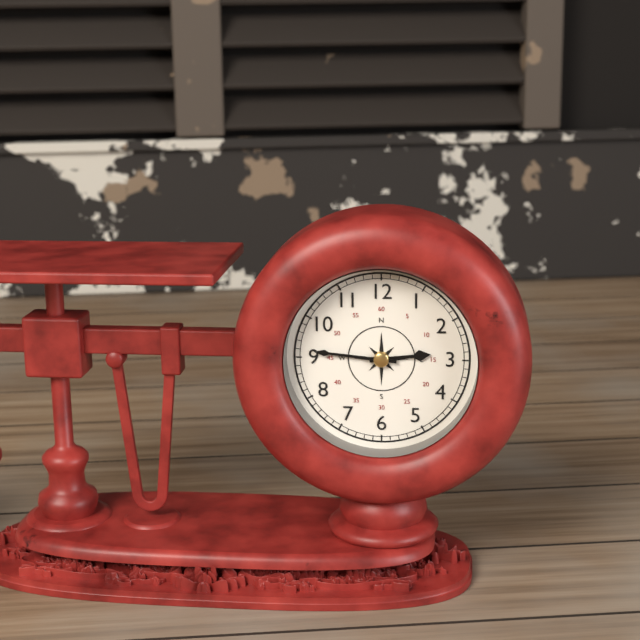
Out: h=2 m=46
